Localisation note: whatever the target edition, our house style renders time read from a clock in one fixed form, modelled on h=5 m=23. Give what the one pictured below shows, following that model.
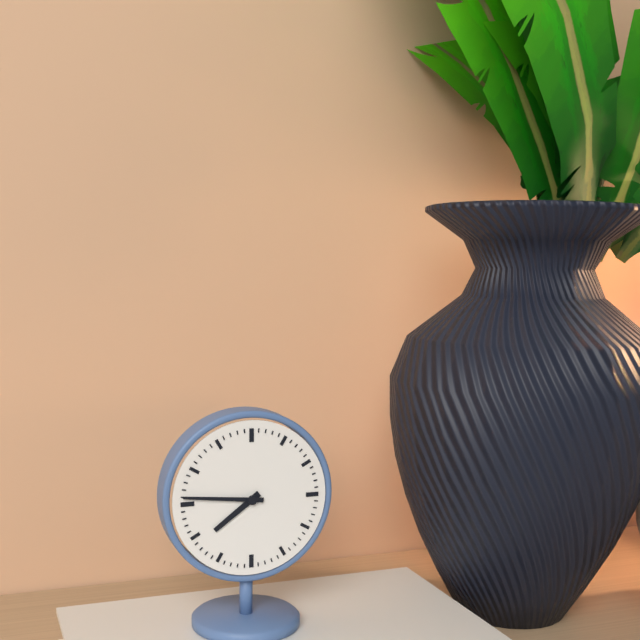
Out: h=7 m=46
